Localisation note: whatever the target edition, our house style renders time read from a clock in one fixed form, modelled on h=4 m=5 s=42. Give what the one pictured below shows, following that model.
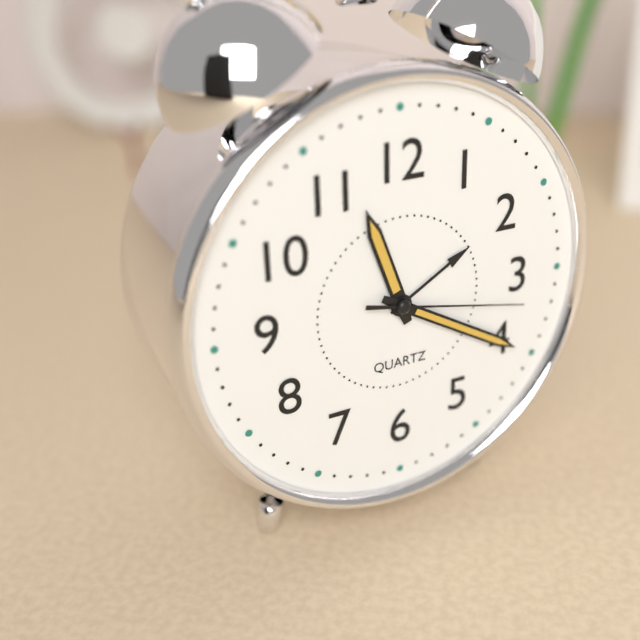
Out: h=11 m=20 s=17
